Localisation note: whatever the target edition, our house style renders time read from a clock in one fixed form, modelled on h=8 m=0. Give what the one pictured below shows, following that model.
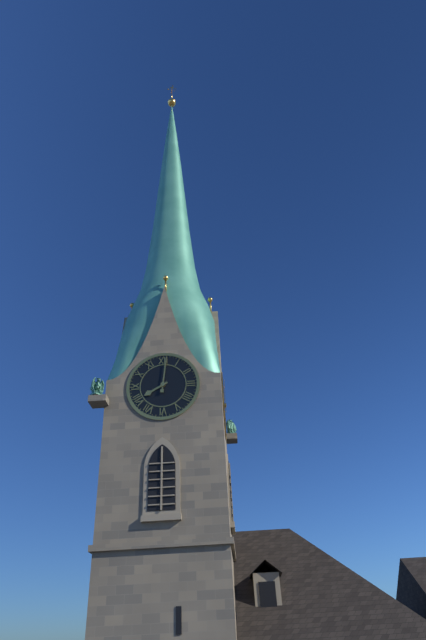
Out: h=8 m=1
